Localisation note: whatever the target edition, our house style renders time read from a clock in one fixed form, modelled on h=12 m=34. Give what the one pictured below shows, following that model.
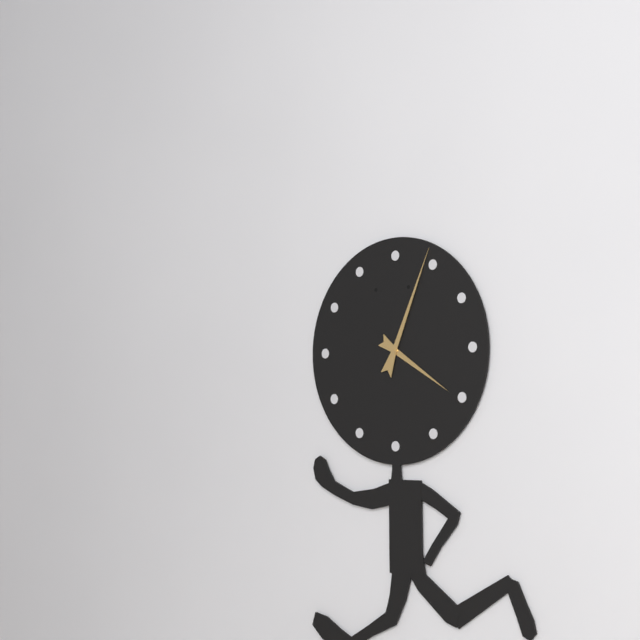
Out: h=4 m=4
